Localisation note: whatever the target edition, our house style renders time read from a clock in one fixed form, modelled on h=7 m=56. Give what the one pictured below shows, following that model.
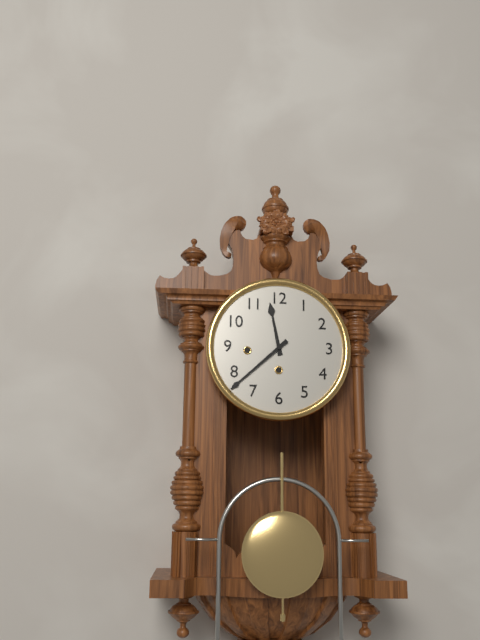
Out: h=11 m=38
